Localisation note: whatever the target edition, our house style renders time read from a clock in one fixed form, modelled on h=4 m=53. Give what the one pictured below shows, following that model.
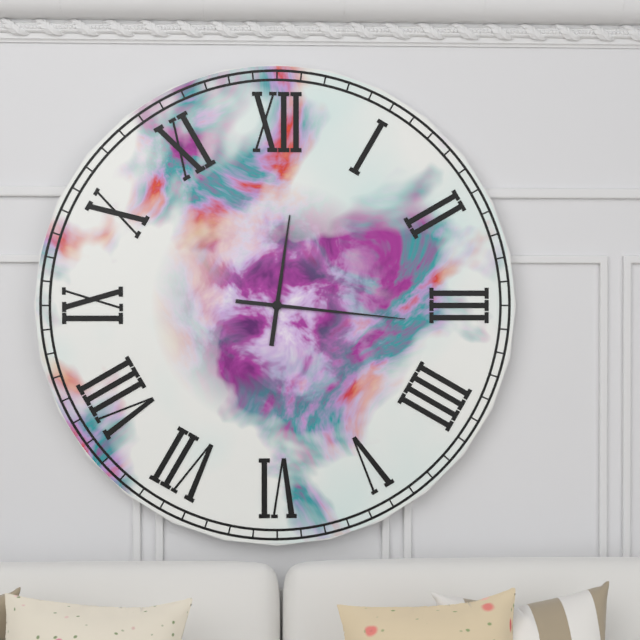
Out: h=12 m=16
